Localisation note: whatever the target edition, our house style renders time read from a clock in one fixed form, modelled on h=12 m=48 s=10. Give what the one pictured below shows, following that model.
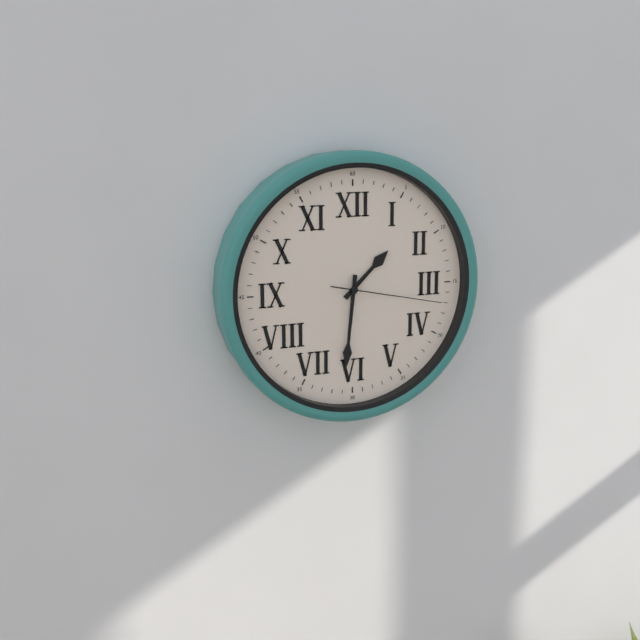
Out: h=1 m=31 s=17
